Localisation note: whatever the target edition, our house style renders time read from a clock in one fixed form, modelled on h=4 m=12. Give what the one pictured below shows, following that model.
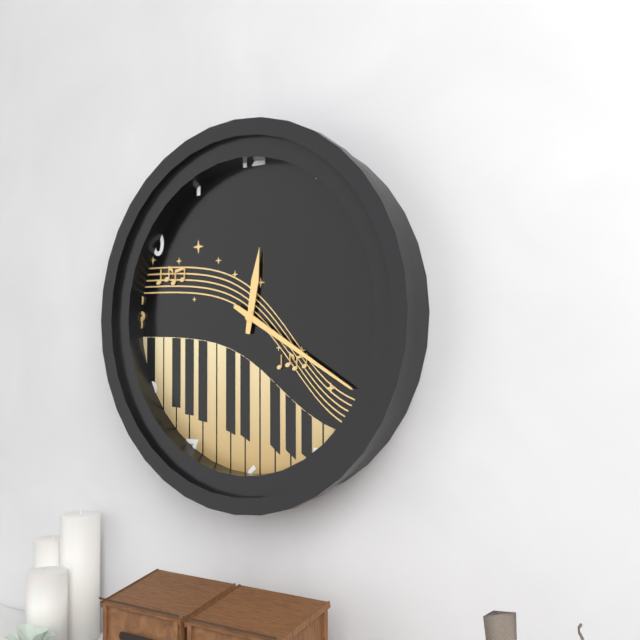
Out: h=12 m=20
